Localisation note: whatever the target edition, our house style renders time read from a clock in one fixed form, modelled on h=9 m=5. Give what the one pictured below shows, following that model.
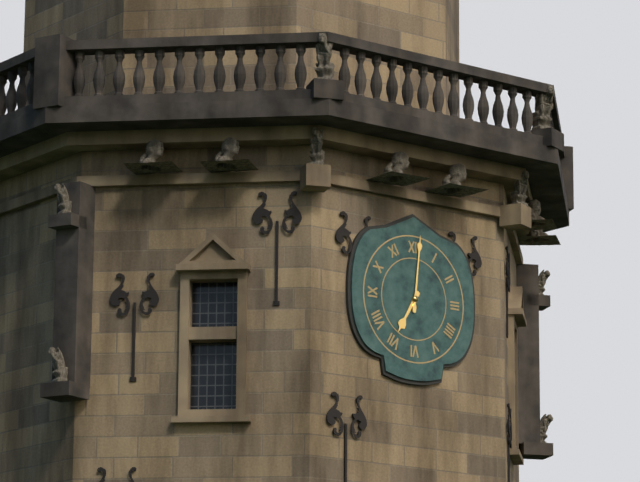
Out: h=7 m=1
